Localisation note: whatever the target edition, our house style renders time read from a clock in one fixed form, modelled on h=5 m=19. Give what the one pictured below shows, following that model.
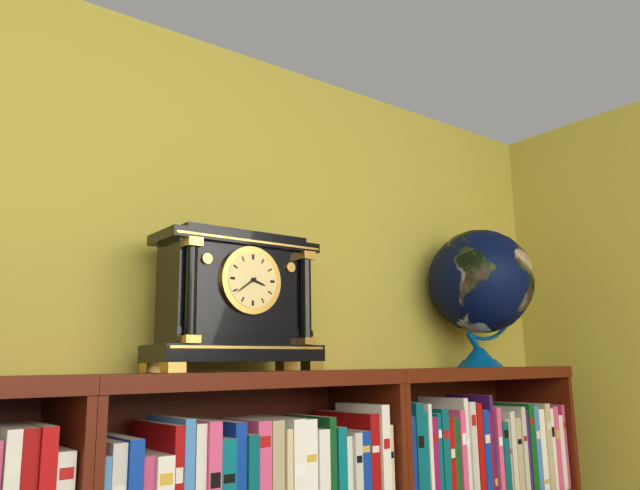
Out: h=3 m=39
